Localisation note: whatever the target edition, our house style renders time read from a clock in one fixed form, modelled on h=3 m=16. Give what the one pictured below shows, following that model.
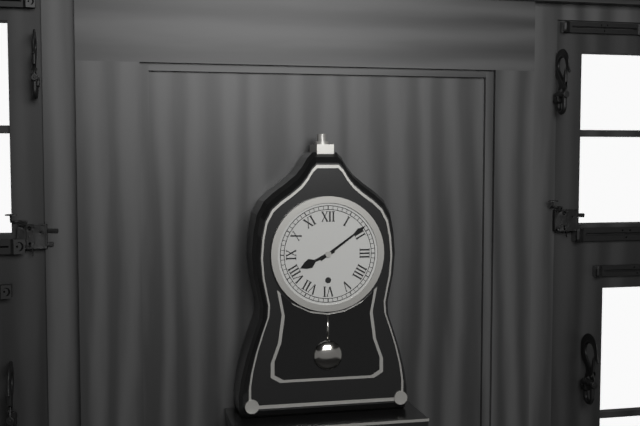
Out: h=8 m=9
